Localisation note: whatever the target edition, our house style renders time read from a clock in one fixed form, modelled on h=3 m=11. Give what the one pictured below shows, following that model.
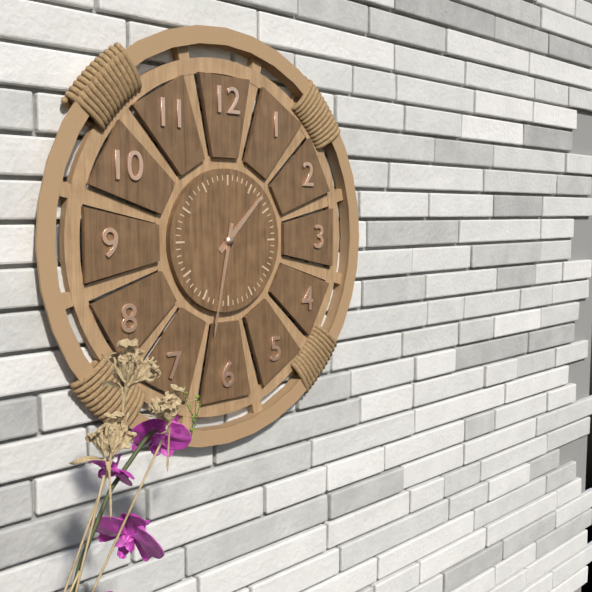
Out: h=1 m=32
